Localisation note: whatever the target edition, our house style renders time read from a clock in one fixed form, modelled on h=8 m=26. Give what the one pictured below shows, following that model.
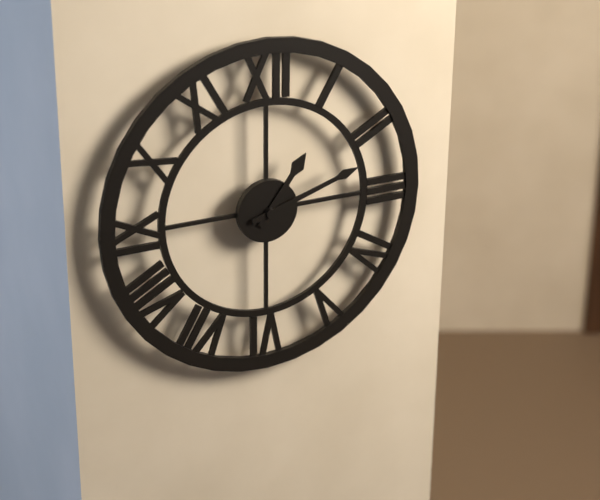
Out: h=1 m=12
